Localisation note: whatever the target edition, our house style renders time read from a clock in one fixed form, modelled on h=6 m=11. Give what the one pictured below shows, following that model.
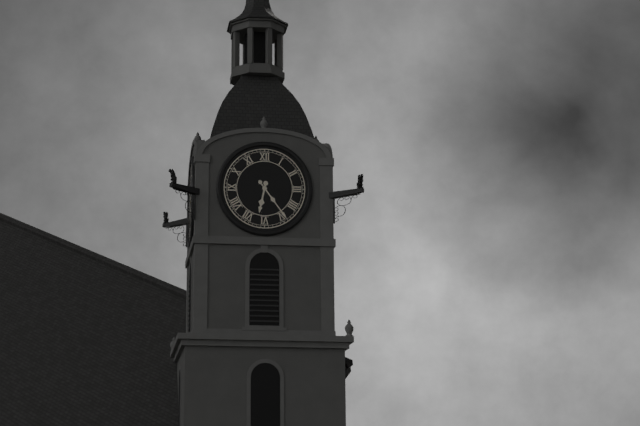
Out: h=6 m=24
